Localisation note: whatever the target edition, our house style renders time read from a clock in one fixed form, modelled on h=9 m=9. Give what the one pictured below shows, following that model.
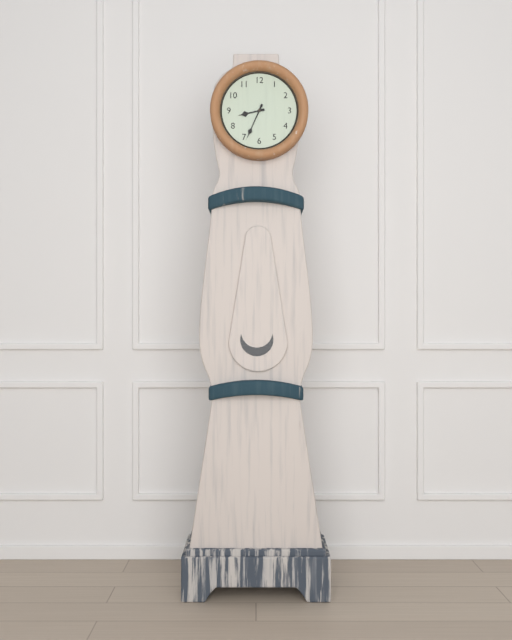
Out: h=8 m=34
